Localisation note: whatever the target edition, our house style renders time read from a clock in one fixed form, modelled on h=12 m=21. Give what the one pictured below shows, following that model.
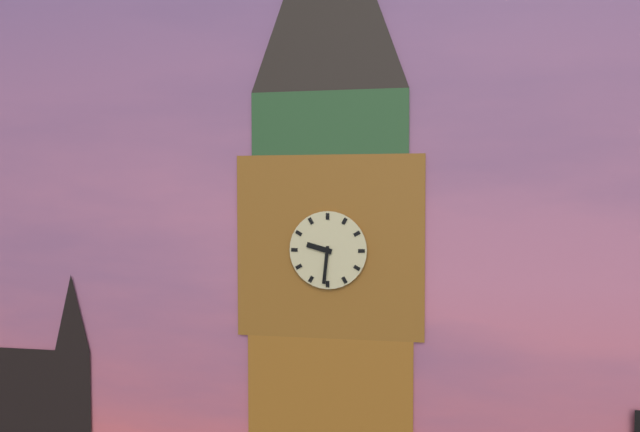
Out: h=9 m=31
